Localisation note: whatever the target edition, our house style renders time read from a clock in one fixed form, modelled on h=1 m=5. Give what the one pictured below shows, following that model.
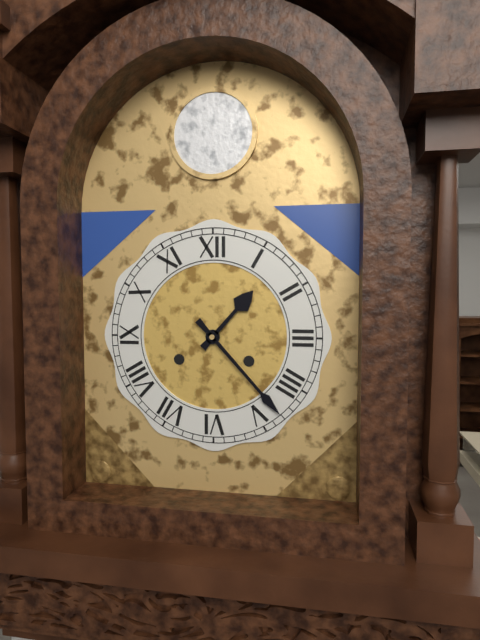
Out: h=1 m=23
